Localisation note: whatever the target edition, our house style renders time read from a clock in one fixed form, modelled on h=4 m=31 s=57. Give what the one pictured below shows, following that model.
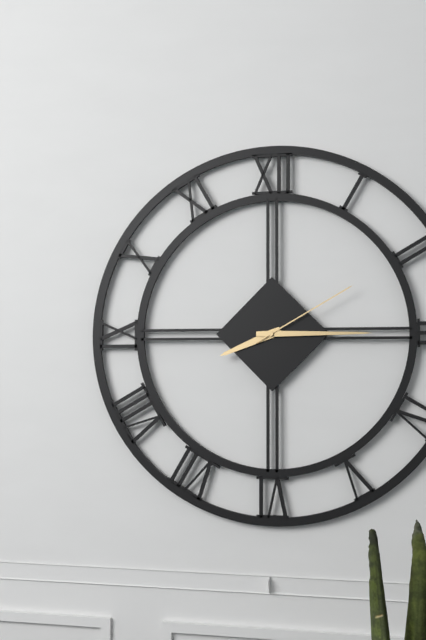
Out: h=8 m=15 s=10
